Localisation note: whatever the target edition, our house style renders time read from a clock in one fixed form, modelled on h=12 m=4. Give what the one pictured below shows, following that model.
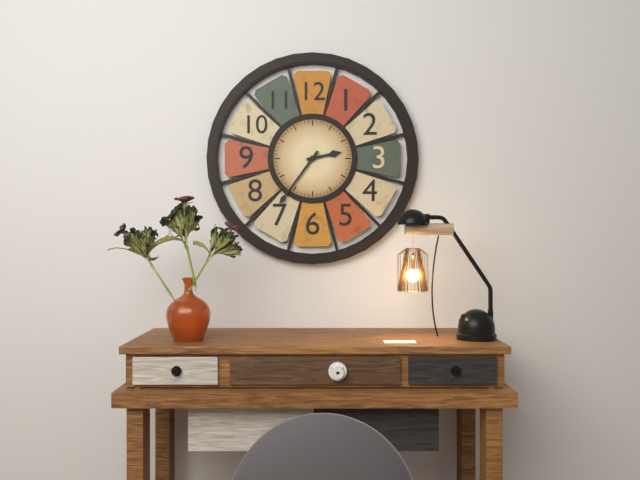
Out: h=2 m=36
